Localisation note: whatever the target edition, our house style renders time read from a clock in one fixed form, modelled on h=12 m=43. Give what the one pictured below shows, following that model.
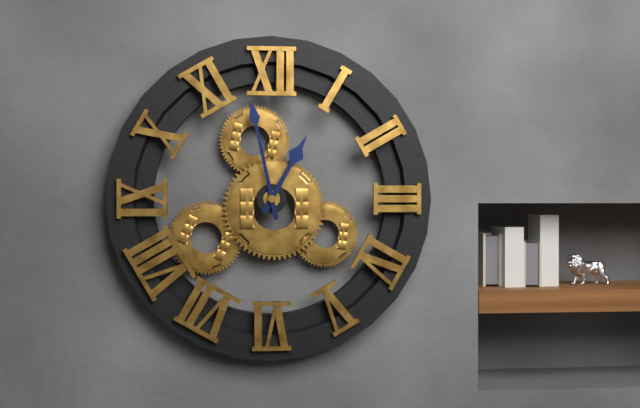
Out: h=12 m=58
